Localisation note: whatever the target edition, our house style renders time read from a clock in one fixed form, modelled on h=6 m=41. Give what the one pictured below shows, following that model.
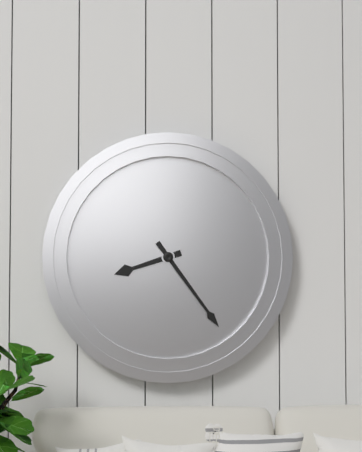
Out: h=8 m=24
